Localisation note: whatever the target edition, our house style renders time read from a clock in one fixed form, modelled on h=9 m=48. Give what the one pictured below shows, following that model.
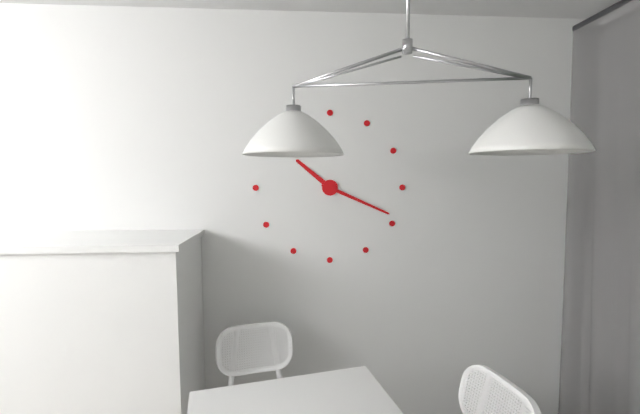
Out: h=10 m=19
